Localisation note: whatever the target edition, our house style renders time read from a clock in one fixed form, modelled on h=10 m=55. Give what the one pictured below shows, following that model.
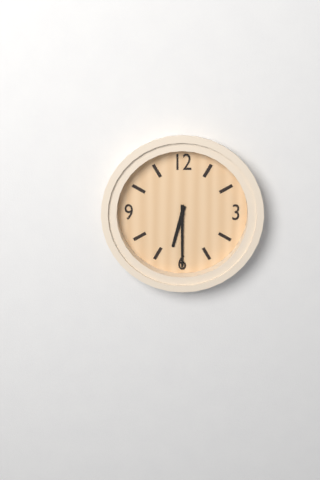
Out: h=6 m=30
